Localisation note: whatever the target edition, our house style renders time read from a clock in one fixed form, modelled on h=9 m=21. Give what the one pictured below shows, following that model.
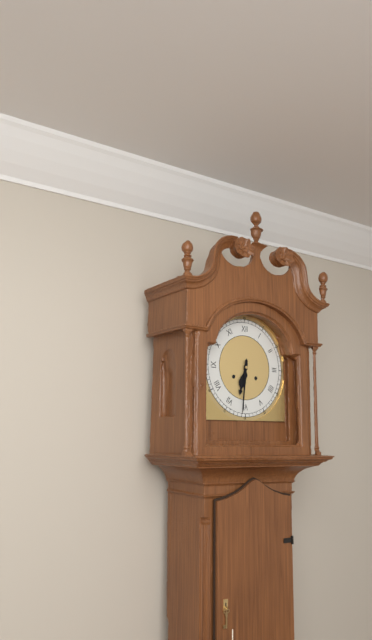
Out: h=6 m=31
